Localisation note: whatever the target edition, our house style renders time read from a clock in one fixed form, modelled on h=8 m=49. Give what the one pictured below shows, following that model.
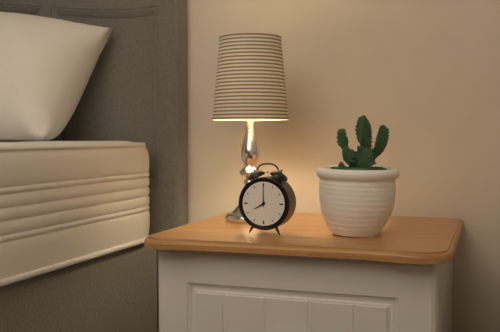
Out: h=8 m=0
